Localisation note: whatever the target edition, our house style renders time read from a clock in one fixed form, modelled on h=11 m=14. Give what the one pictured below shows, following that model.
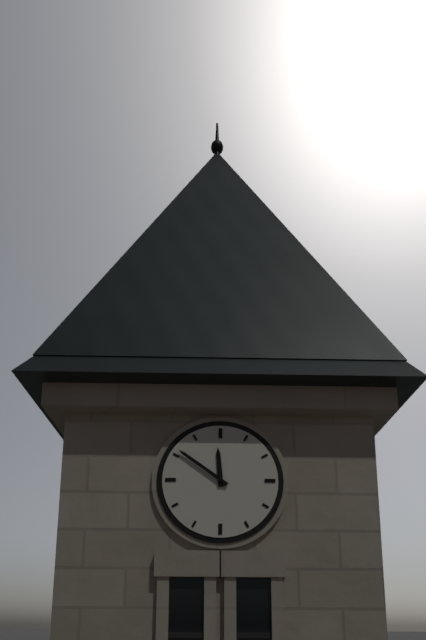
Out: h=11 m=51
